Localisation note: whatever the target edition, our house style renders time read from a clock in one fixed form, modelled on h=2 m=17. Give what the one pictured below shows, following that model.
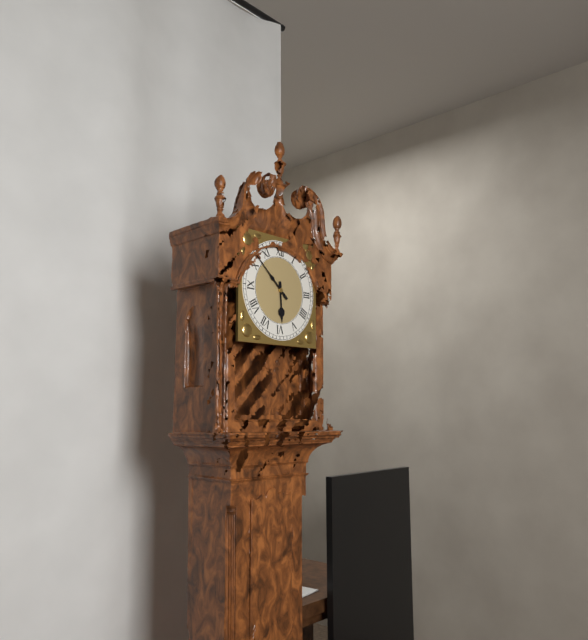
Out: h=5 m=52
